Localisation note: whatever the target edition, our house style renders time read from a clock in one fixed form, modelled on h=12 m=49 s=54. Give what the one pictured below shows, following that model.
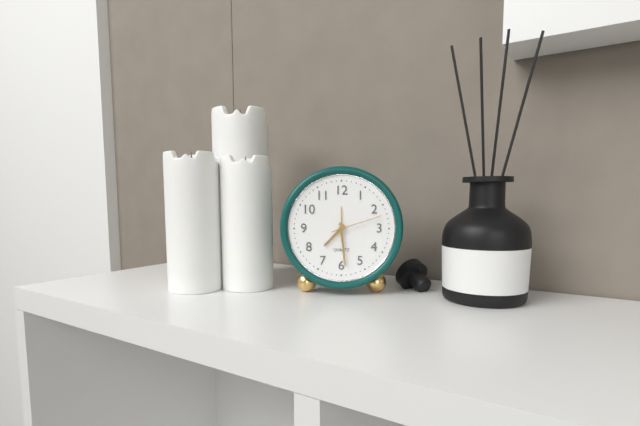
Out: h=7 m=29 s=12
